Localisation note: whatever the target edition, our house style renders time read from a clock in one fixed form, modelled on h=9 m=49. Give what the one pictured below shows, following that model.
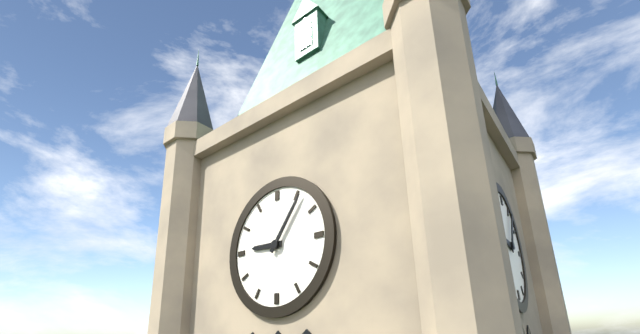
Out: h=9 m=6
